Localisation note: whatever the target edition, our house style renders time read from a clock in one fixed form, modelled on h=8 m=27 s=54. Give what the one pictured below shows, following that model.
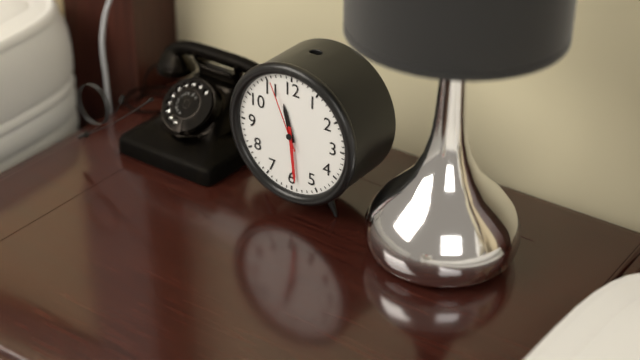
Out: h=11 m=29 s=56
